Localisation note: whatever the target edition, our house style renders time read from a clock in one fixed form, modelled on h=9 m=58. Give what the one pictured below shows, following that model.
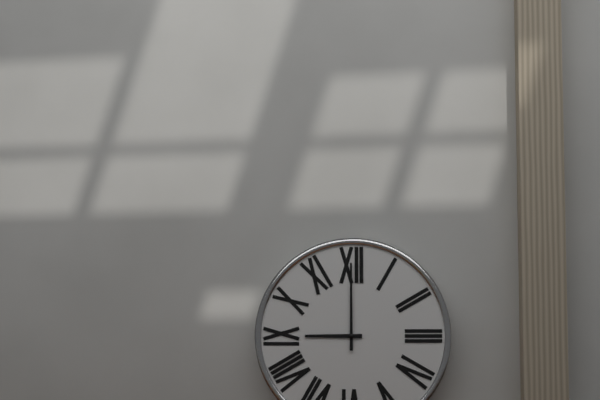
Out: h=9 m=0
